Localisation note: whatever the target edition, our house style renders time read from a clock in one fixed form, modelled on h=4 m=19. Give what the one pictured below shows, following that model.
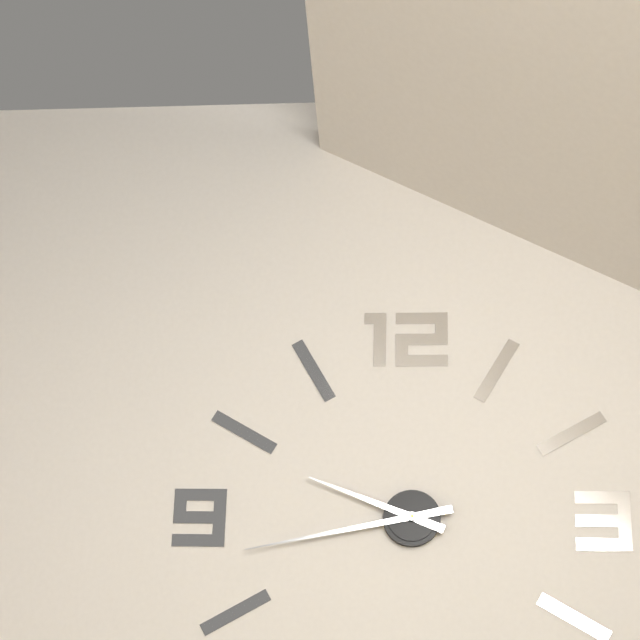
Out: h=9 m=43
